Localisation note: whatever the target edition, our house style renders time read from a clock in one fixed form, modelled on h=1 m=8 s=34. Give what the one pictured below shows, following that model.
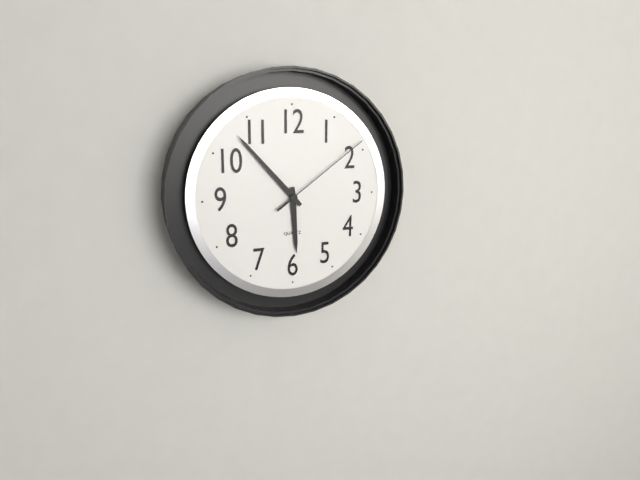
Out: h=5 m=53 s=9
